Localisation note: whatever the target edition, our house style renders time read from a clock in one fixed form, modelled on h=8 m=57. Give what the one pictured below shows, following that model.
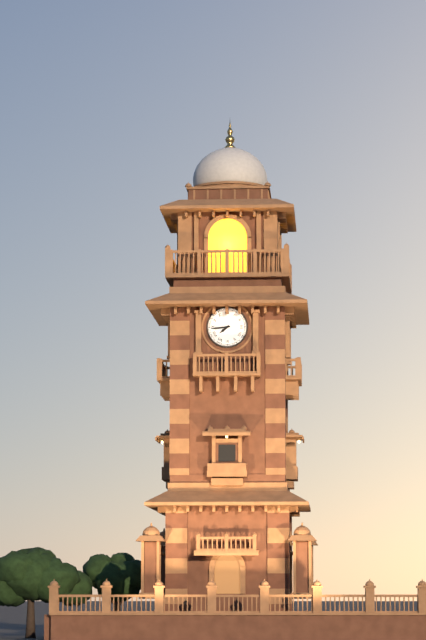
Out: h=7 m=44
